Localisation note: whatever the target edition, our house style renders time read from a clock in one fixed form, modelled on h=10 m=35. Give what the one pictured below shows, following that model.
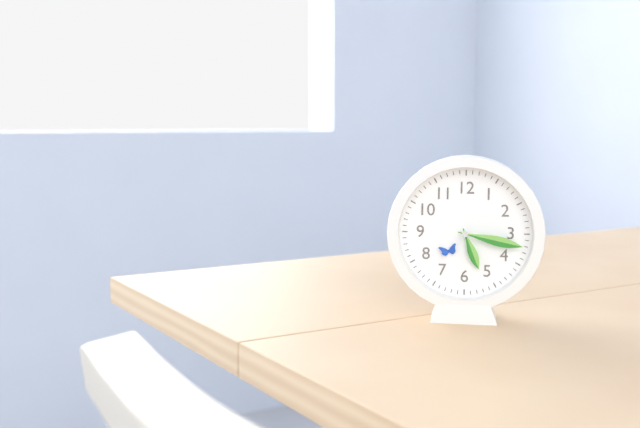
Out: h=5 m=17
